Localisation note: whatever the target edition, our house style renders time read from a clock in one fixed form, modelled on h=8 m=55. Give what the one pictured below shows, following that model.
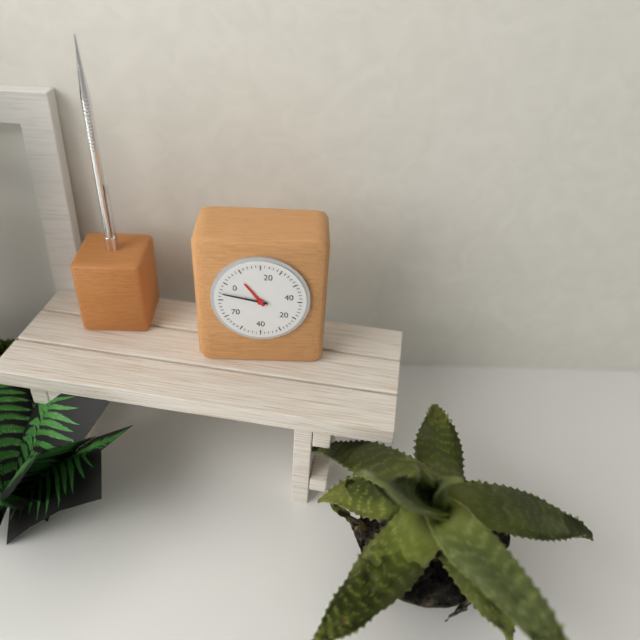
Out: h=10 m=47
